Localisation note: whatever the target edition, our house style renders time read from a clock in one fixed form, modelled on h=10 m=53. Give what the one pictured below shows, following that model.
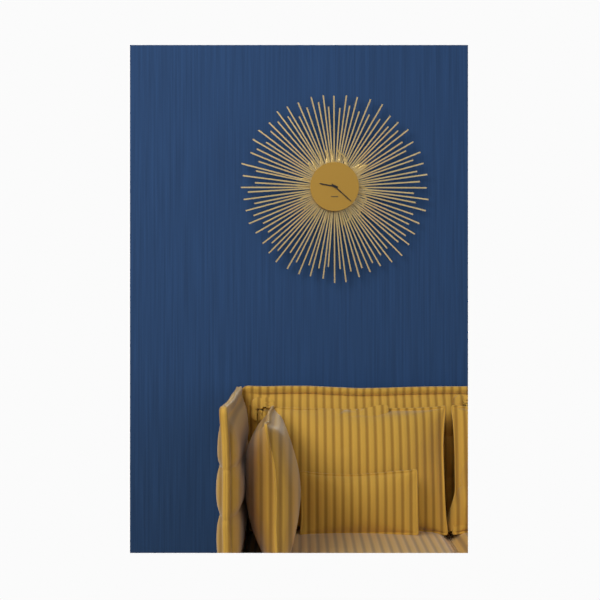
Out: h=9 m=22
